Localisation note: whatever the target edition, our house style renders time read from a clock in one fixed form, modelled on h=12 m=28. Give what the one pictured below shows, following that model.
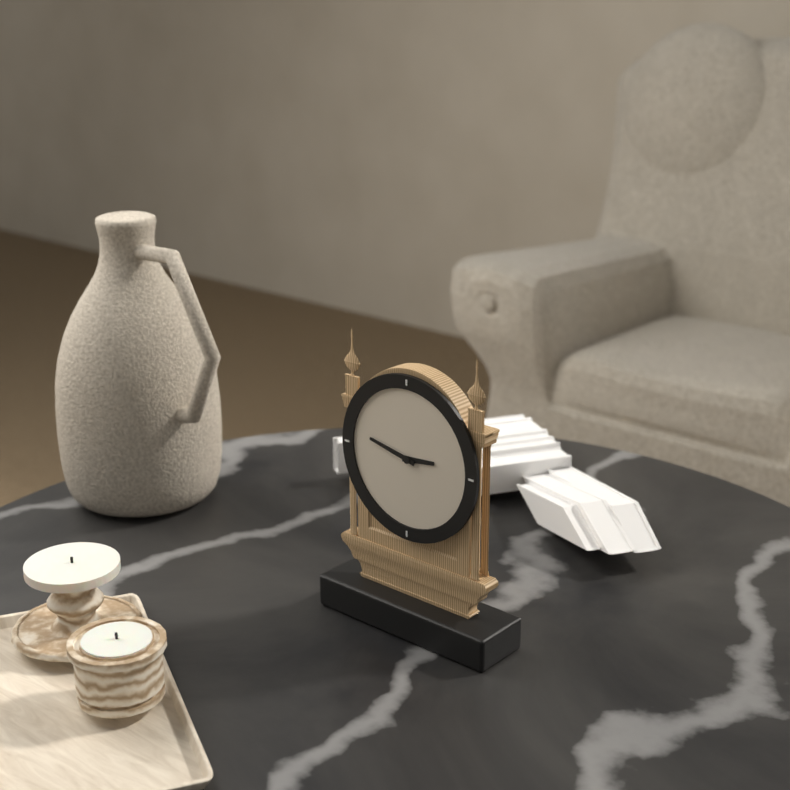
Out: h=2 m=47
